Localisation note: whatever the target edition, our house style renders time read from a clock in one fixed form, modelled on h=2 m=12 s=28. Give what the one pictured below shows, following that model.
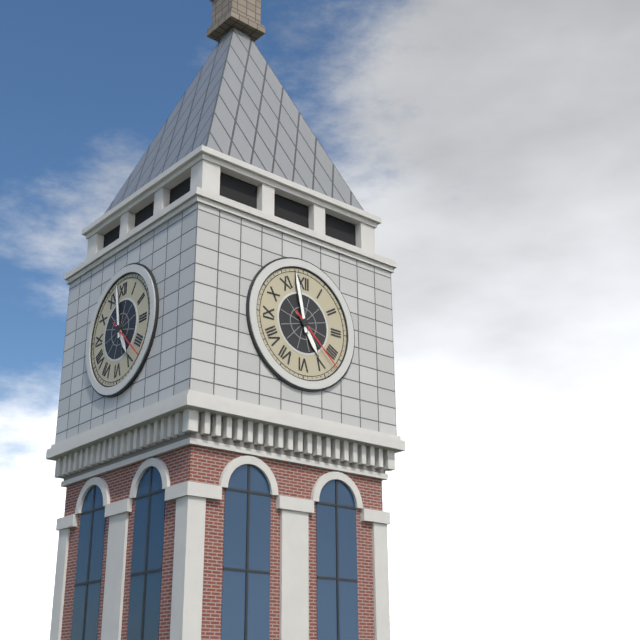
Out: h=4 m=58 s=22
